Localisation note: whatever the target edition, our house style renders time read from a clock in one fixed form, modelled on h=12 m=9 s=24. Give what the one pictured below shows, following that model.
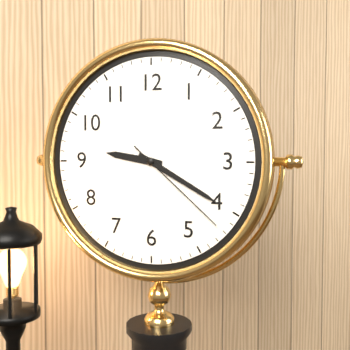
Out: h=9 m=20 s=22
